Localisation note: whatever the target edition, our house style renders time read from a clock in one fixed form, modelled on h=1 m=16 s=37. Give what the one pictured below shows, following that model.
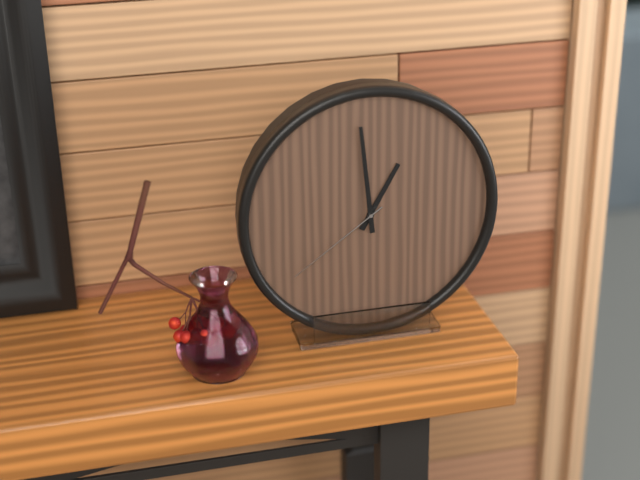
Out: h=12 m=59 s=39
